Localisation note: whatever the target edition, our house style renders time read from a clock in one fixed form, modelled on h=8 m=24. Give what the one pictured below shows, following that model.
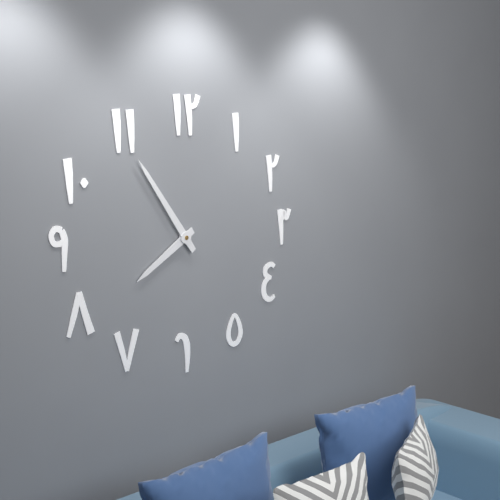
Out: h=7 m=54
